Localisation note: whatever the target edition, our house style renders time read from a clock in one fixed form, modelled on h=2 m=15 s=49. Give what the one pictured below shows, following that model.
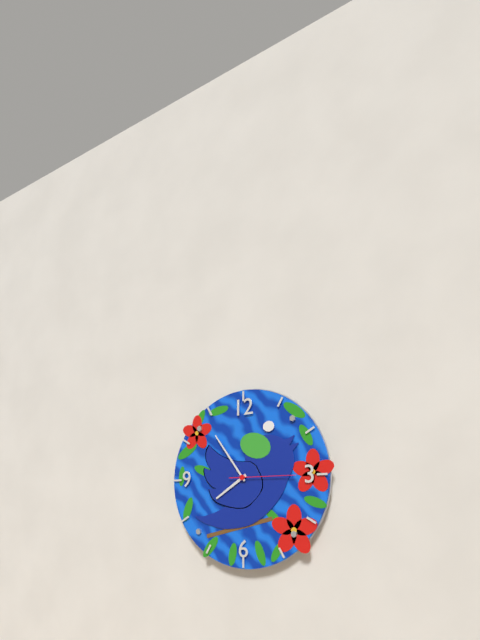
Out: h=7 m=54 s=15
